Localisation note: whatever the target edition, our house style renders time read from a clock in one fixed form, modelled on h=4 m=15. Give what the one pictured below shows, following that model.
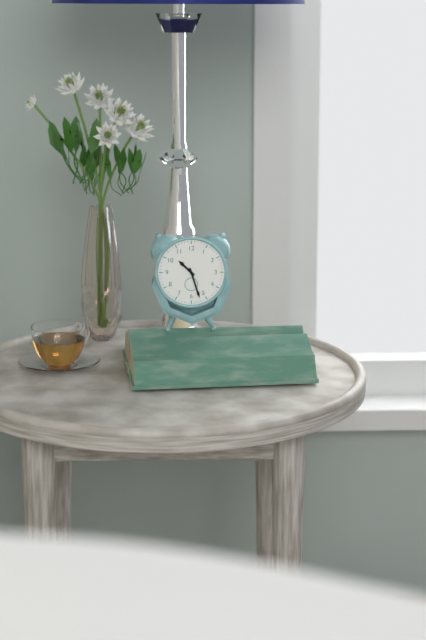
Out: h=10 m=27
